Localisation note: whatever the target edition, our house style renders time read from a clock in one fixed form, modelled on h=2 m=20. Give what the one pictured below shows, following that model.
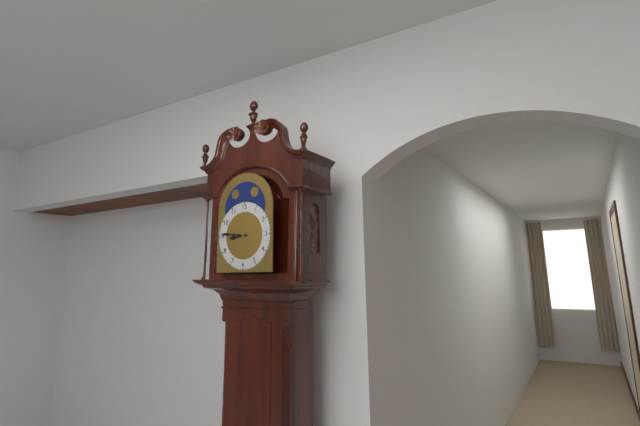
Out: h=8 m=46
